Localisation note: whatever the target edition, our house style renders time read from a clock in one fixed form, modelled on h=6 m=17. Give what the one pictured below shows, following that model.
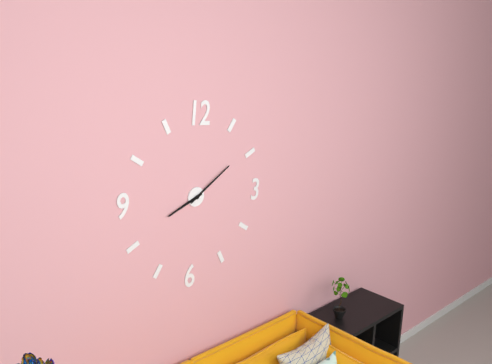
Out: h=8 m=9
